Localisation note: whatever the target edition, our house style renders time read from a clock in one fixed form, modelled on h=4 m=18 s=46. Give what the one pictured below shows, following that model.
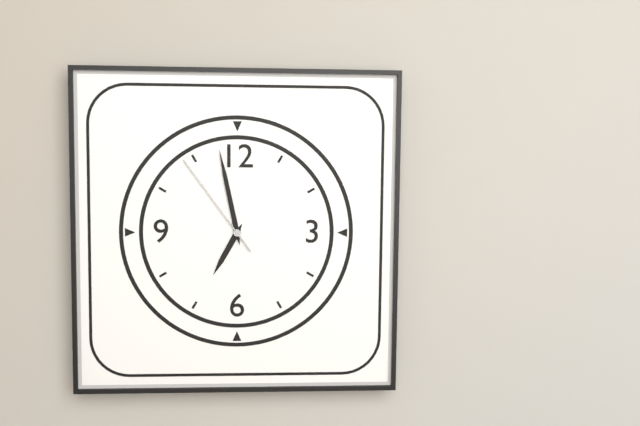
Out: h=6 m=58 s=54
